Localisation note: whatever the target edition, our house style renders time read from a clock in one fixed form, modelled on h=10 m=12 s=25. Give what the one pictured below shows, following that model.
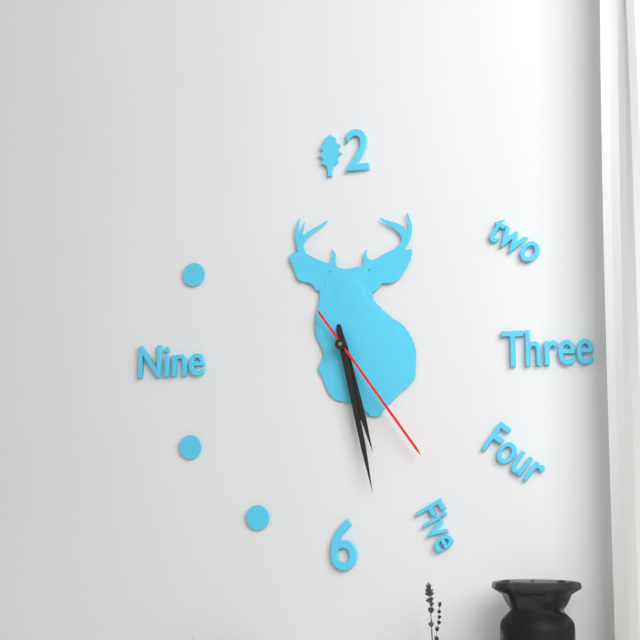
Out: h=5 m=28 s=24
